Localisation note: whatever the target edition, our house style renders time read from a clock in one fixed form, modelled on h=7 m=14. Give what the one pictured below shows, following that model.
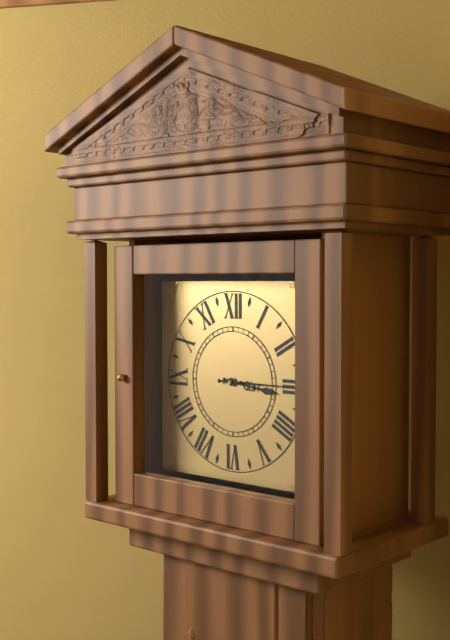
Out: h=3 m=15
